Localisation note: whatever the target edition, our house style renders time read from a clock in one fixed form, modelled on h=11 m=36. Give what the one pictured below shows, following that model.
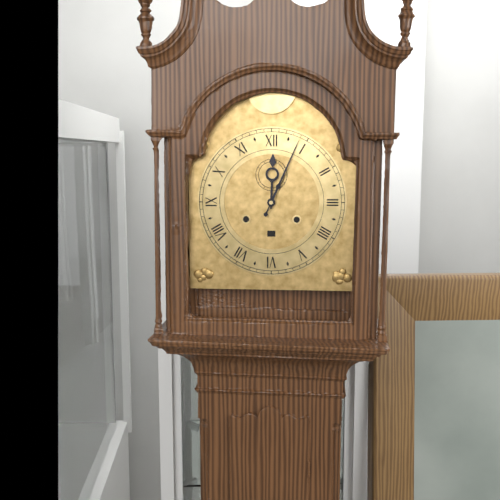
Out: h=12 m=4
